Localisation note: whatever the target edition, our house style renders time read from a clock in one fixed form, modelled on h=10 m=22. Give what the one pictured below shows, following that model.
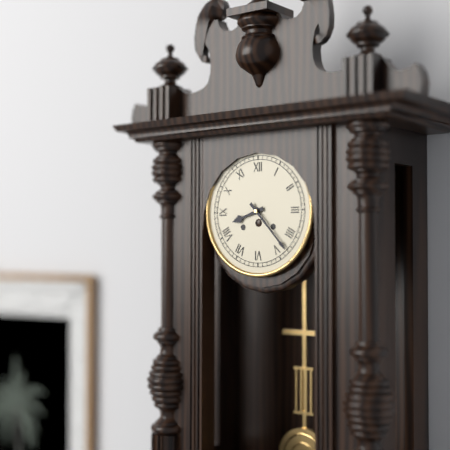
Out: h=8 m=23
